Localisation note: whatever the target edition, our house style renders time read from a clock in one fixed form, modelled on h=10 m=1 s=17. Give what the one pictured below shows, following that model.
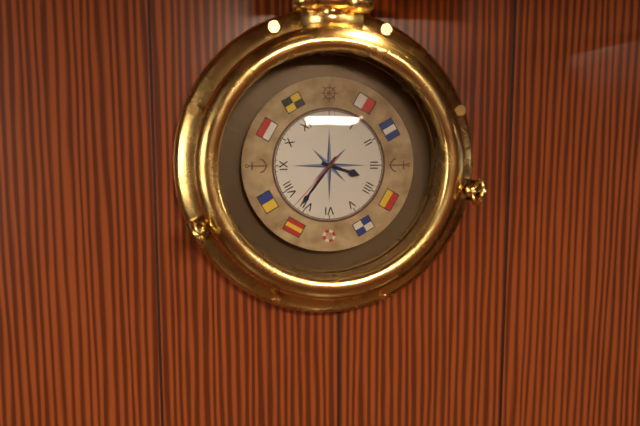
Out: h=3 m=36 s=37
